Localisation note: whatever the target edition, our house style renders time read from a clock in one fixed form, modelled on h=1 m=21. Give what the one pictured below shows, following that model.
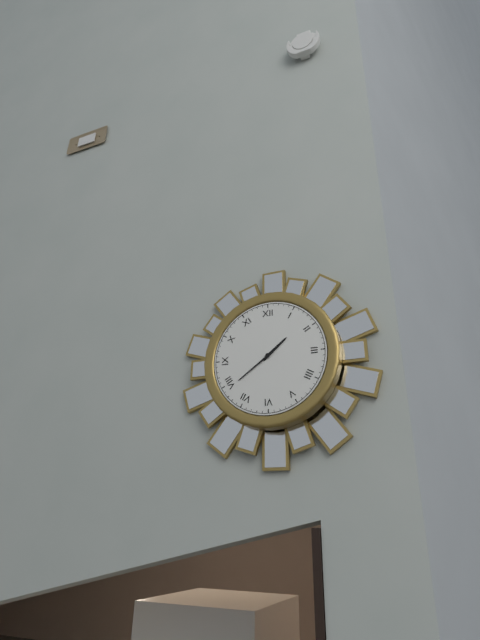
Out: h=1 m=39
